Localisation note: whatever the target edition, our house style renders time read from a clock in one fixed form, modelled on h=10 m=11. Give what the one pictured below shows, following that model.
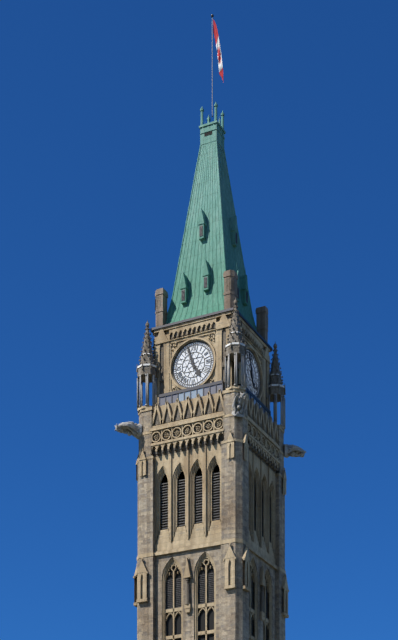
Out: h=4 m=57
